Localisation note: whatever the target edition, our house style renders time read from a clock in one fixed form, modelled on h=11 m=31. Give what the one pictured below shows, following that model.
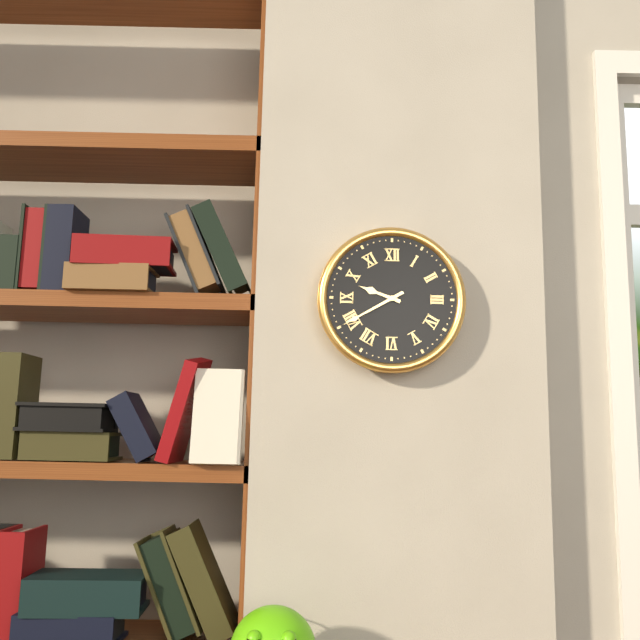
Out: h=9 m=40
